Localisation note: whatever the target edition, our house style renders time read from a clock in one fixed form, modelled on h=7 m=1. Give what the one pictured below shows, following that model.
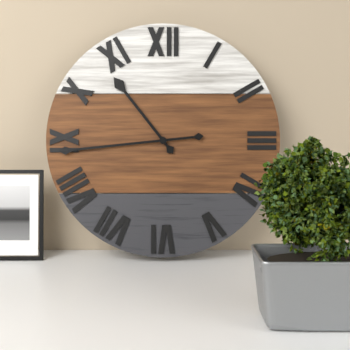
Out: h=10 m=44
